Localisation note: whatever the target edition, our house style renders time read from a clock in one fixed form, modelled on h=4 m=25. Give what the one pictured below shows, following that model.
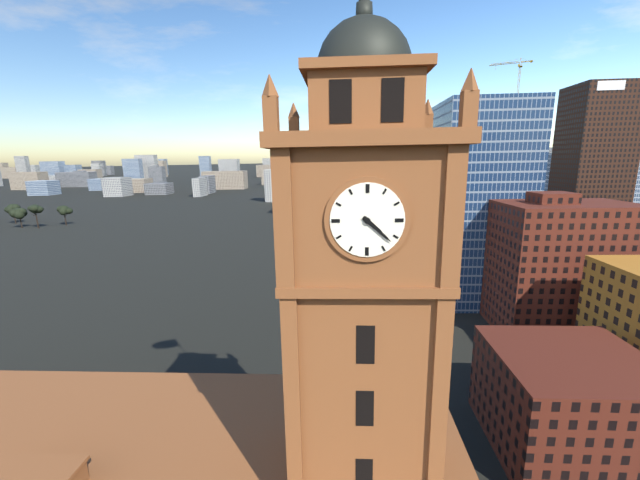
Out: h=4 m=22
